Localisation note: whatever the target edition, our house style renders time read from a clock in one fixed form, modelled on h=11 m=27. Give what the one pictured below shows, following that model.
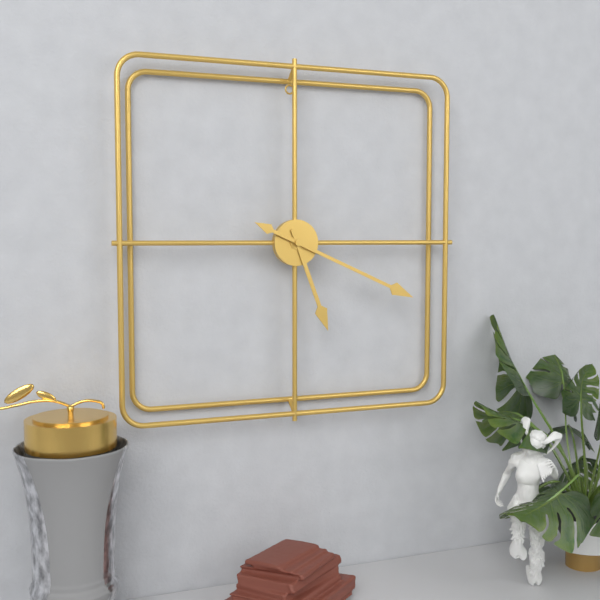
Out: h=5 m=19
